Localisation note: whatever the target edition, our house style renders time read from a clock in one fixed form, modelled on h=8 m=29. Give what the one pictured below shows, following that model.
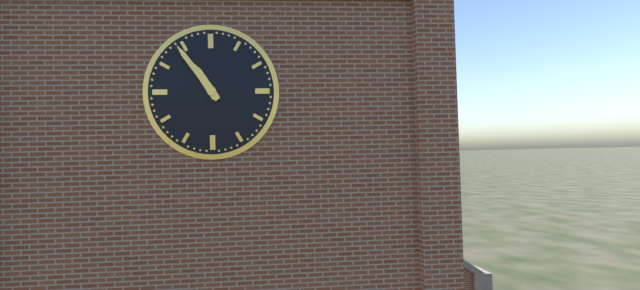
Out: h=10 m=54
